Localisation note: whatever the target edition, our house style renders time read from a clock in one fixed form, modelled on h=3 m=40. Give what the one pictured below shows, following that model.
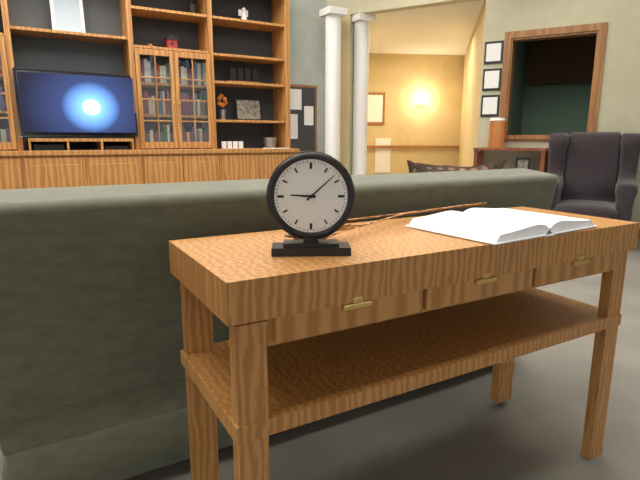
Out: h=9 m=8
